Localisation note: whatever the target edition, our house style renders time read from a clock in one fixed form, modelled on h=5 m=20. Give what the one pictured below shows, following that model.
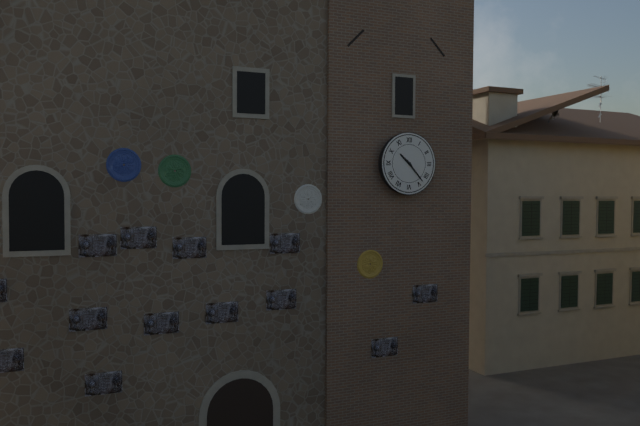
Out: h=10 m=23
